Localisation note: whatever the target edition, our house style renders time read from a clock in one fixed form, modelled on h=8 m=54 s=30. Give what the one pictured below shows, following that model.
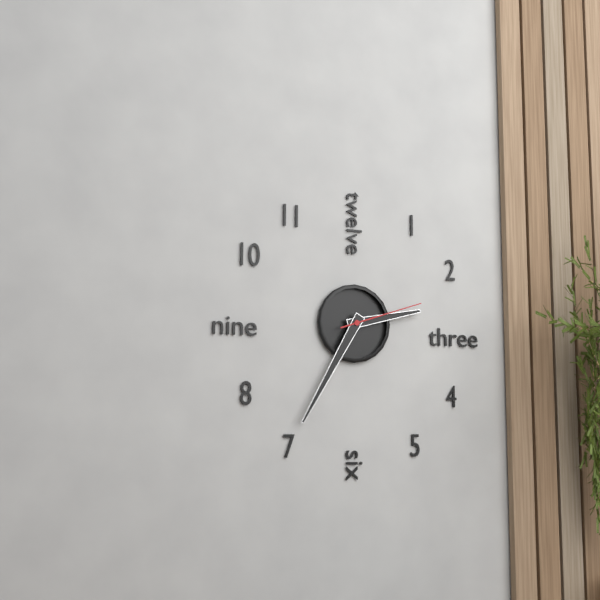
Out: h=2 m=35 s=12
